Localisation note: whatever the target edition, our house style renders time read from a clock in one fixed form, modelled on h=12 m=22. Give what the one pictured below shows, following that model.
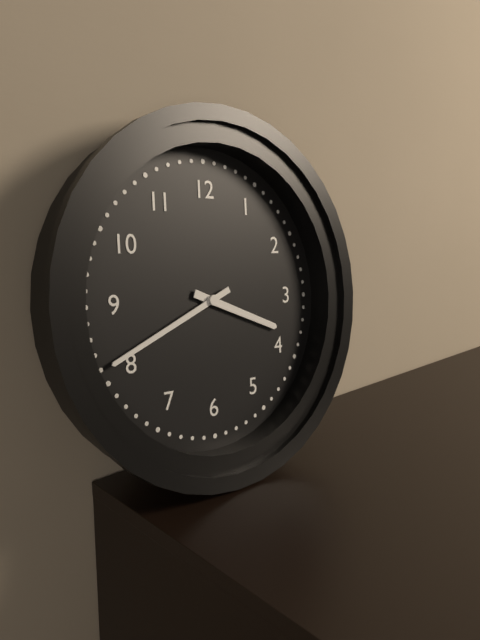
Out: h=3 m=41
